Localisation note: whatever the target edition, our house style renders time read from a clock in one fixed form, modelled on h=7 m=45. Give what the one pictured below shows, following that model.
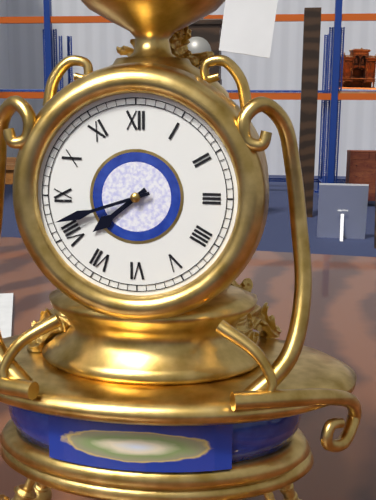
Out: h=7 m=42
